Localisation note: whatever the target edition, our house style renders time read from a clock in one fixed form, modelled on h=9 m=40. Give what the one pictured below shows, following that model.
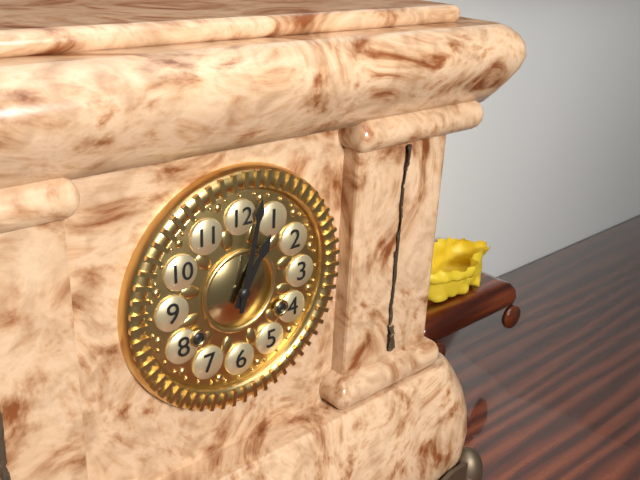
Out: h=1 m=2
